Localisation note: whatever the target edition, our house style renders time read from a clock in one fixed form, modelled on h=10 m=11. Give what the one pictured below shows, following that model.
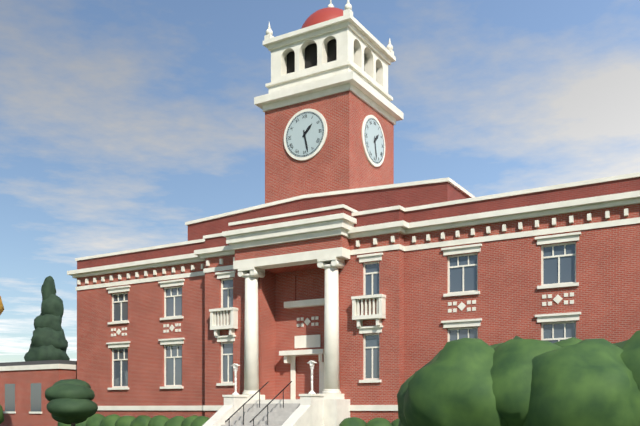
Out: h=1 m=28
